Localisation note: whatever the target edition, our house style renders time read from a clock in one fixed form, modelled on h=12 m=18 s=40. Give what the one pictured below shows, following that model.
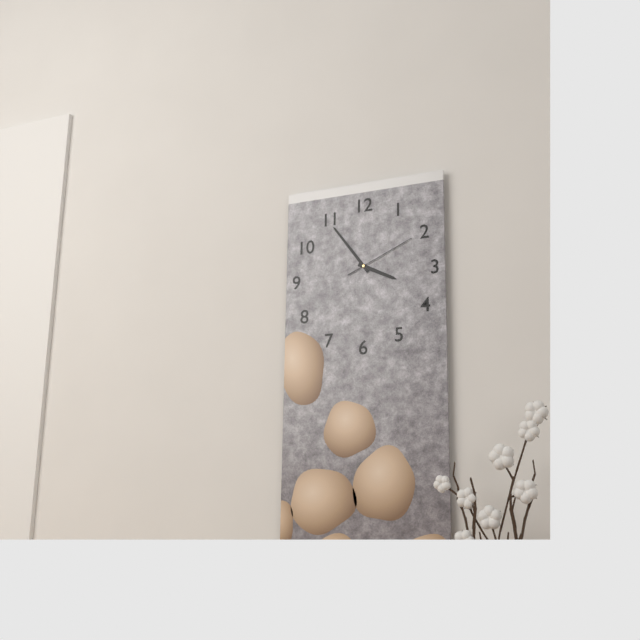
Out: h=3 m=54 s=11
